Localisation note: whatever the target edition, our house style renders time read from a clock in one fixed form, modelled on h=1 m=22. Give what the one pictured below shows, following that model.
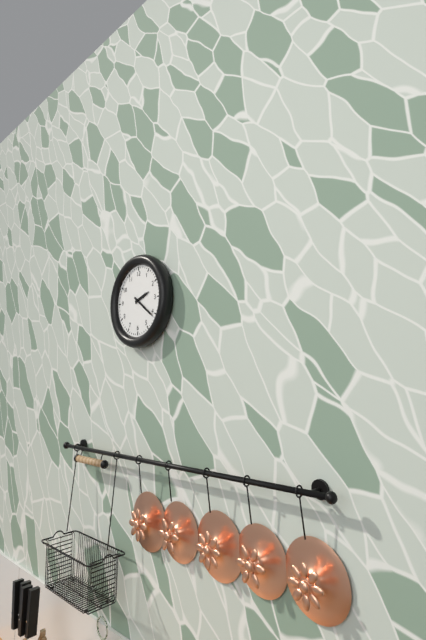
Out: h=2 m=21
